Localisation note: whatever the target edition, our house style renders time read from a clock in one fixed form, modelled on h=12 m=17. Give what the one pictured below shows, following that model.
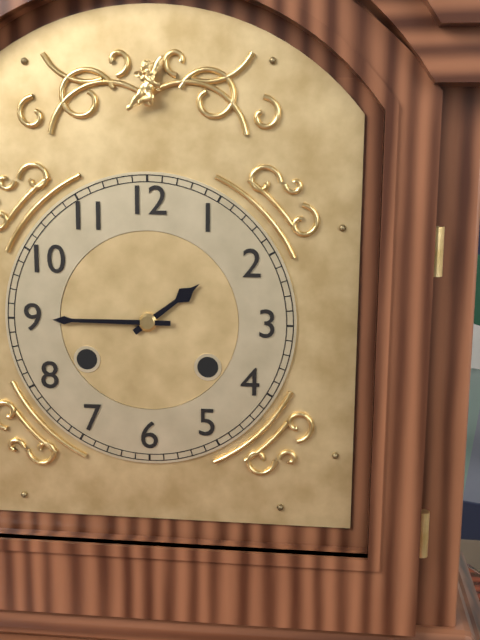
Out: h=1 m=45
